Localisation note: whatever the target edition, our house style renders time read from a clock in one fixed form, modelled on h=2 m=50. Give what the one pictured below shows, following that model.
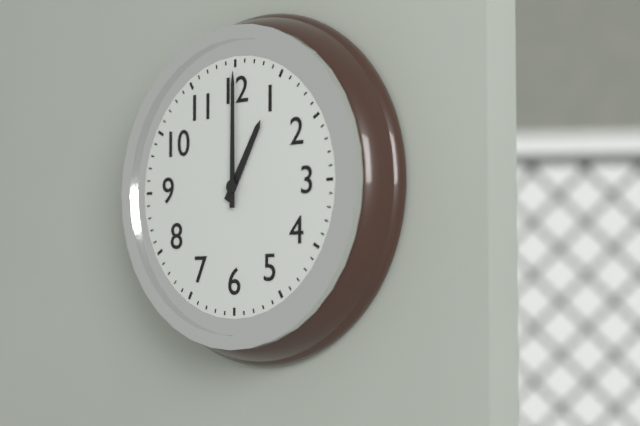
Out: h=1 m=0
